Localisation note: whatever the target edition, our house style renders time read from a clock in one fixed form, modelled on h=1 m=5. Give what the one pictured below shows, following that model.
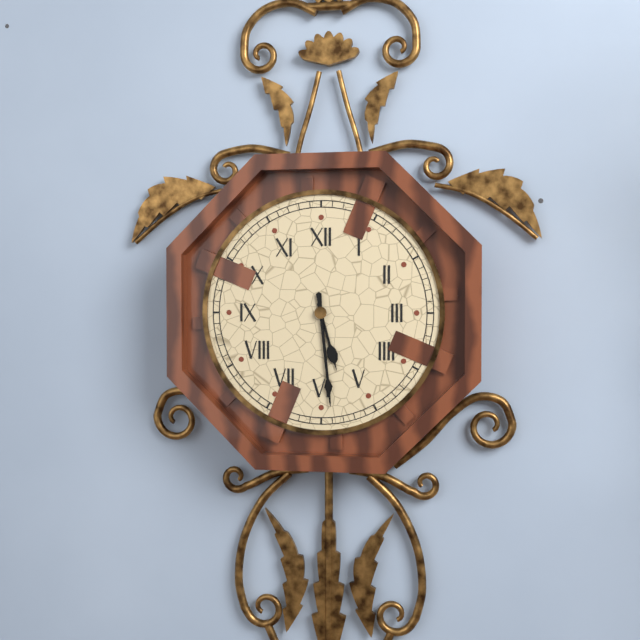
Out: h=5 m=29
